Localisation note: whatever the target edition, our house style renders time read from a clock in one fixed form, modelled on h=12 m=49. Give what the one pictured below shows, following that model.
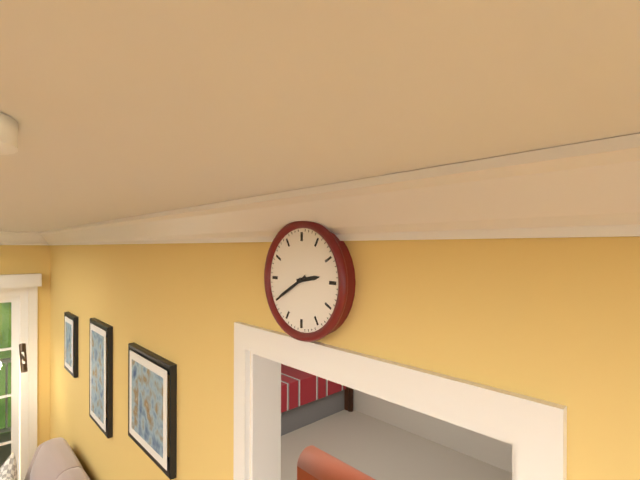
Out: h=2 m=40
